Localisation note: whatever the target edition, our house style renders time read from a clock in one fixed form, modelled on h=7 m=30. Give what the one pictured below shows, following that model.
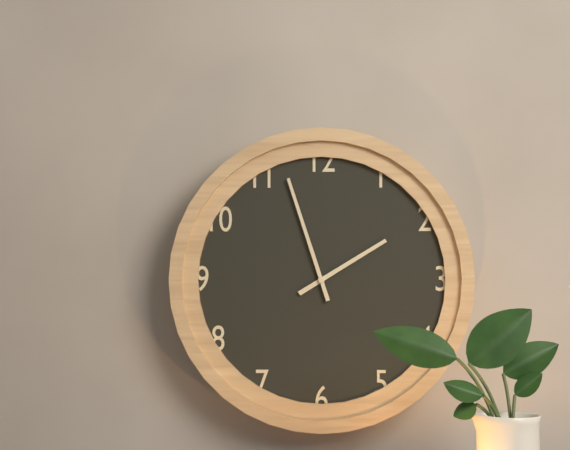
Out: h=1 m=57
